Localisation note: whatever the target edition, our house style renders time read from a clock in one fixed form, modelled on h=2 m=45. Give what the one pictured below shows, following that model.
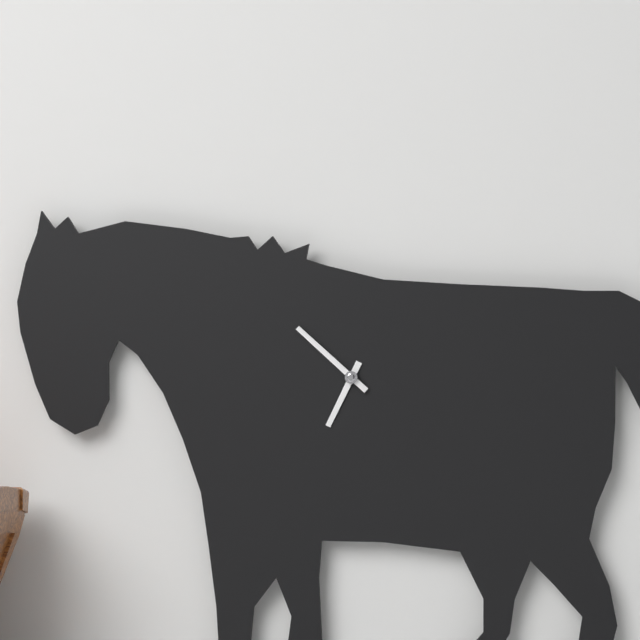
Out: h=6 m=52
